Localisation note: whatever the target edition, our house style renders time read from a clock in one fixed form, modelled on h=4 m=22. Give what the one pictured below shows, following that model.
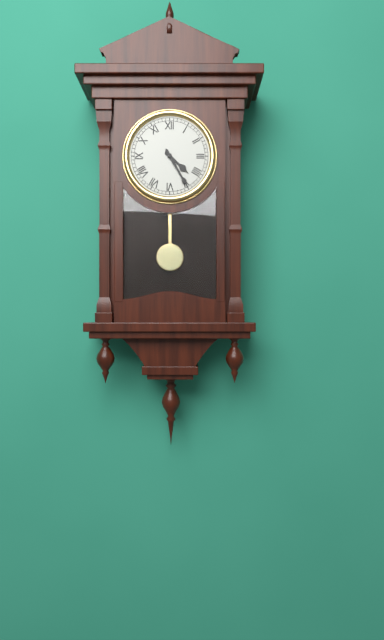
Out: h=4 m=25
